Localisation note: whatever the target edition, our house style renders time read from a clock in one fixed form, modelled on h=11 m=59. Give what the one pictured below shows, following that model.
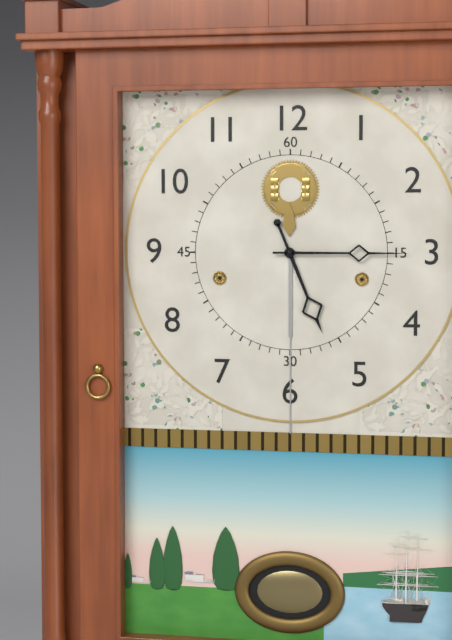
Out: h=5 m=15
